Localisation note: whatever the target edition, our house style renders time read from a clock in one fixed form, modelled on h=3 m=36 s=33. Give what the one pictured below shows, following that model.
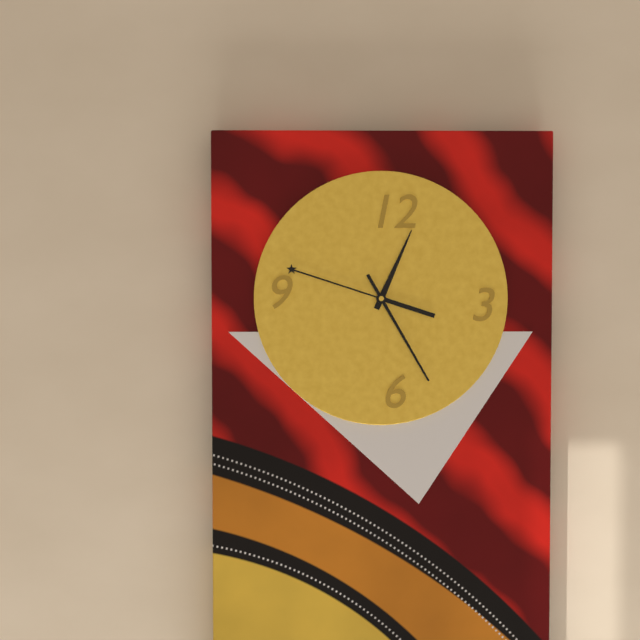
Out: h=12 m=48 s=25
